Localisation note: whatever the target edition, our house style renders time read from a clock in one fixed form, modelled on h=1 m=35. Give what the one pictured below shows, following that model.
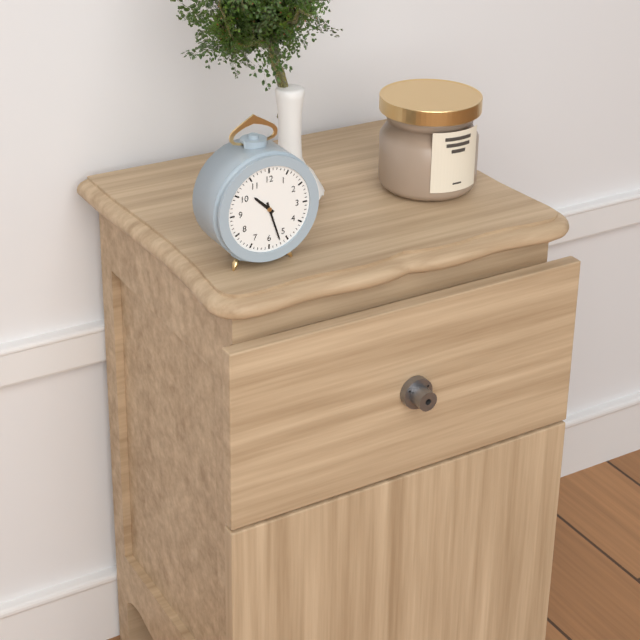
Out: h=10 m=27
